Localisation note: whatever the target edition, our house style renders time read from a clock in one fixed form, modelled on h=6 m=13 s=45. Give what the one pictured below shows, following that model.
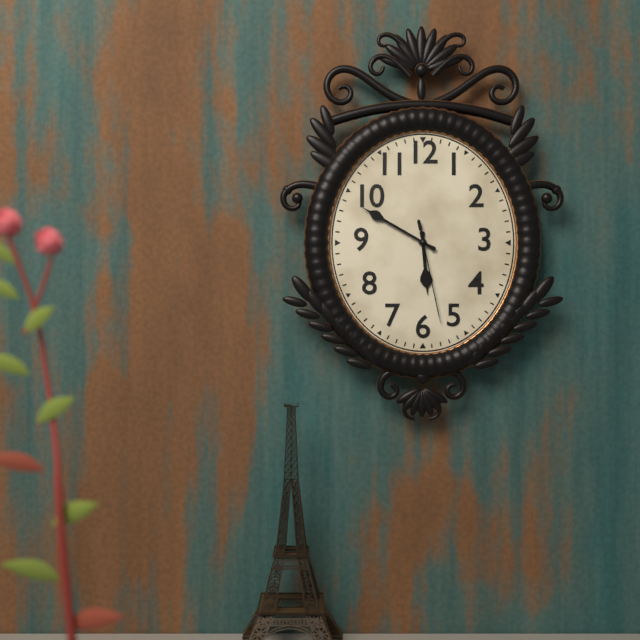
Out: h=5 m=50 s=28
